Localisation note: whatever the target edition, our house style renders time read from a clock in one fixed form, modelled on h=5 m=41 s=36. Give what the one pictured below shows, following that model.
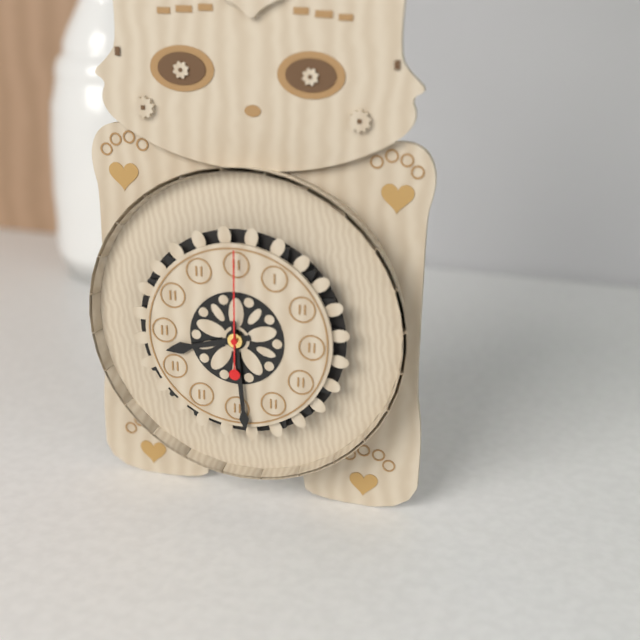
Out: h=8 m=29 s=0
